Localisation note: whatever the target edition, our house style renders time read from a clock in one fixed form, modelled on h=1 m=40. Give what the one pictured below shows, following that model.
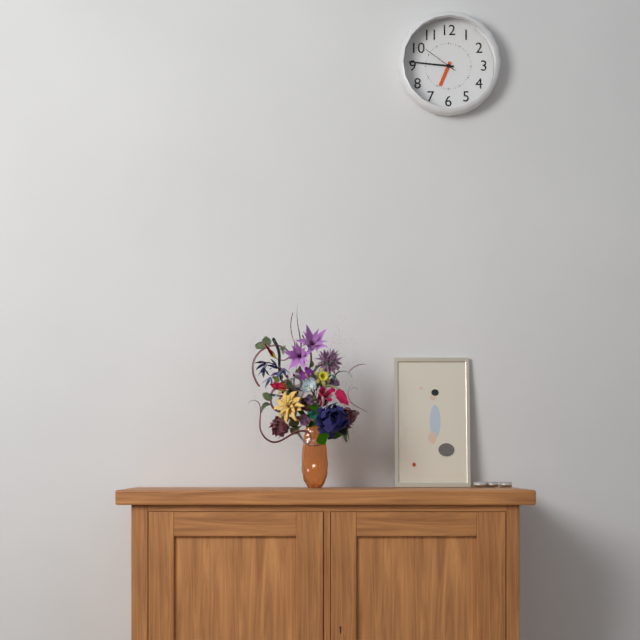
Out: h=6 m=46
